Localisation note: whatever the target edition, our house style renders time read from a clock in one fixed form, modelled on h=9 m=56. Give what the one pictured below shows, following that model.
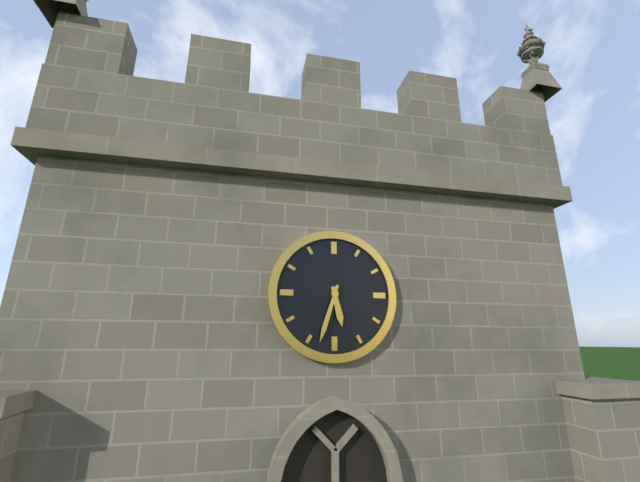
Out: h=5 m=33
